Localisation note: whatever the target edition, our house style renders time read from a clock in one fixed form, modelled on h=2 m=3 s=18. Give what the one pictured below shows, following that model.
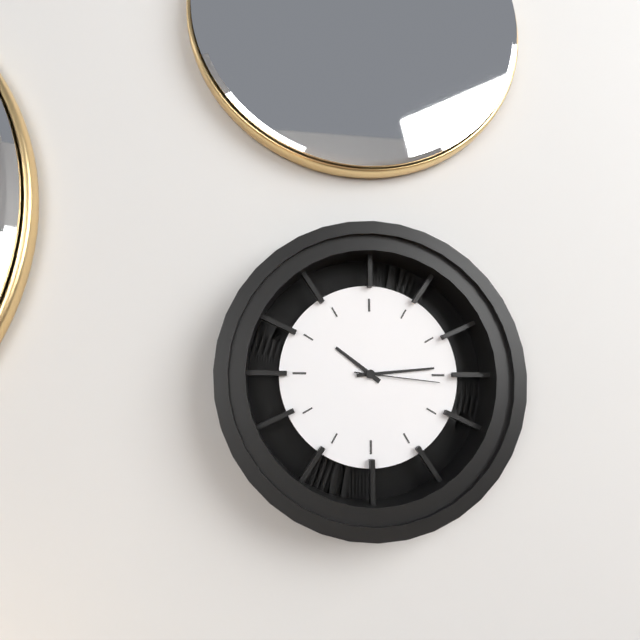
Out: h=10 m=14 s=16
